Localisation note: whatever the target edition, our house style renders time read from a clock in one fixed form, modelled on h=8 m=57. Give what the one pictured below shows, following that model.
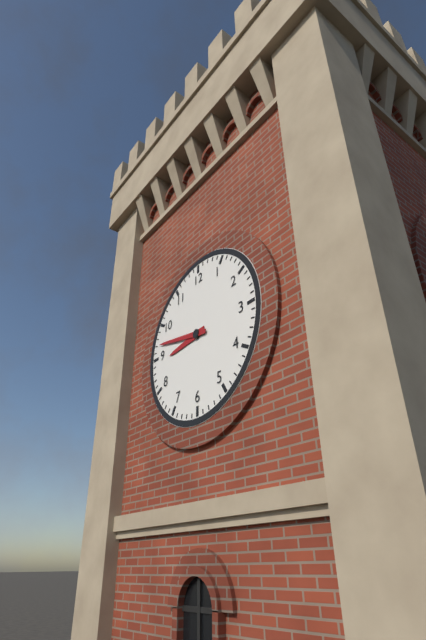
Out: h=8 m=47
